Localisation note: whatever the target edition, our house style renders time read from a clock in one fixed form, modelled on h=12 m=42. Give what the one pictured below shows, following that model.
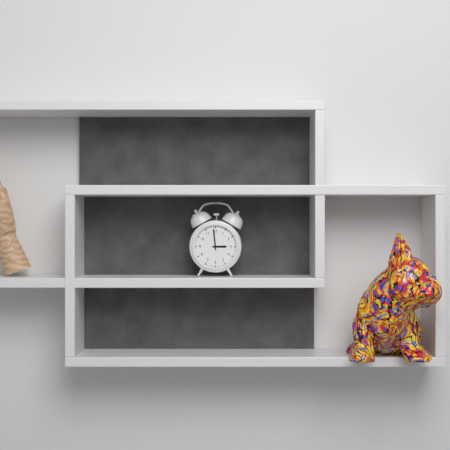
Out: h=2 m=59
